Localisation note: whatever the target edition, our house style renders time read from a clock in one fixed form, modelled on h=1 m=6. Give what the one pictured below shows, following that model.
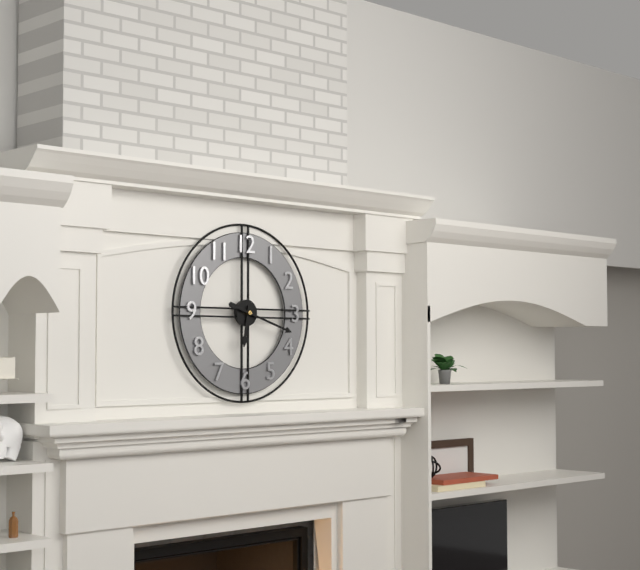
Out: h=6 m=18
